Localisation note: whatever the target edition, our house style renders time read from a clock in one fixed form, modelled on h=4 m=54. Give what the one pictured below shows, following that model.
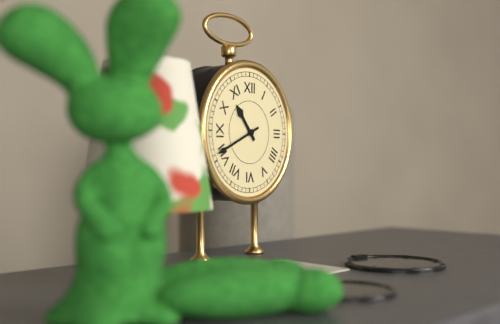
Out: h=10 m=41
